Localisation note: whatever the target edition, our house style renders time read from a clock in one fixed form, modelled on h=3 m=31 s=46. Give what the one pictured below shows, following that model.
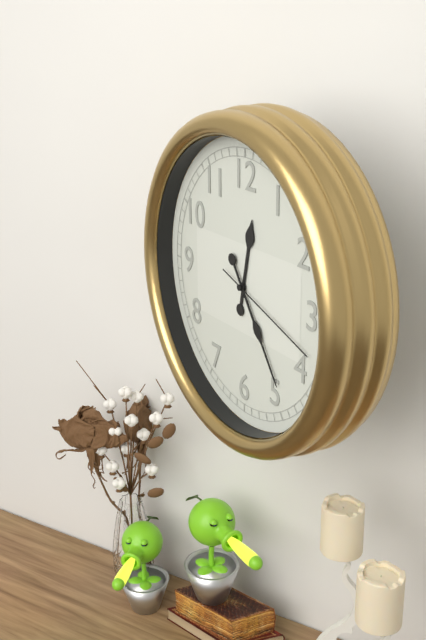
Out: h=12 m=24 s=18
